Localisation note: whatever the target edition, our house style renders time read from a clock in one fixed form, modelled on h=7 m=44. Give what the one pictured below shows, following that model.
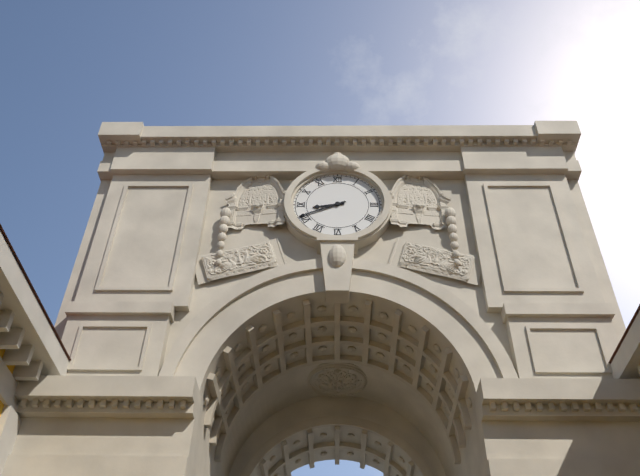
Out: h=8 m=41
